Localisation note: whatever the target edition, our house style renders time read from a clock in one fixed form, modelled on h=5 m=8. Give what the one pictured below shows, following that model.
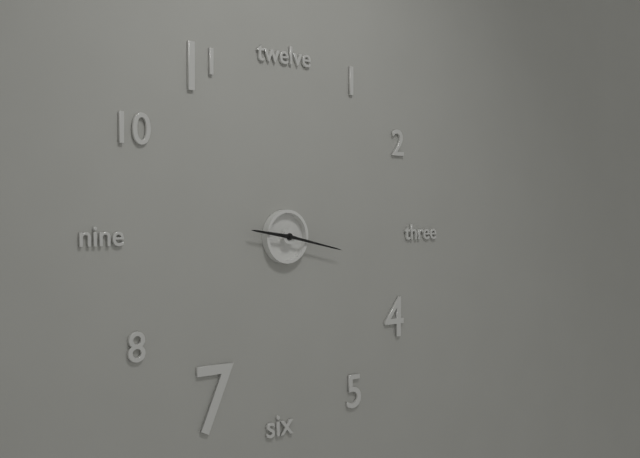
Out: h=9 m=17
